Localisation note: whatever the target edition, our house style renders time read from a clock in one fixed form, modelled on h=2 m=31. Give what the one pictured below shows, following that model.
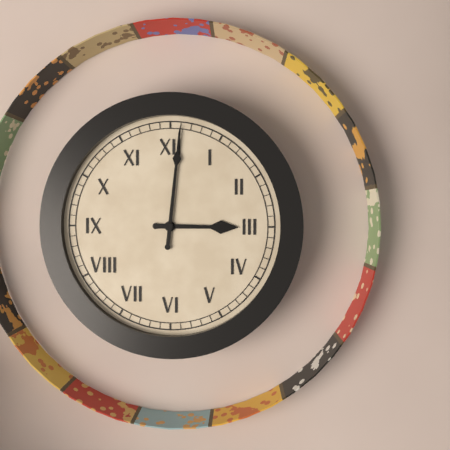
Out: h=3 m=1
